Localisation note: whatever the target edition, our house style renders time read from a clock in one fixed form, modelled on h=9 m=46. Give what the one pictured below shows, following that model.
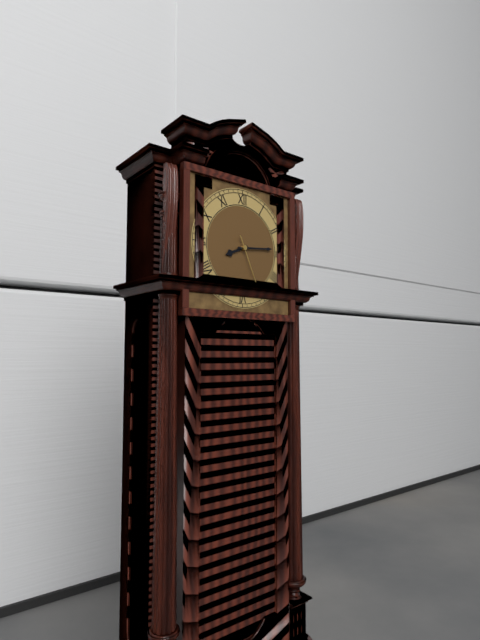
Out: h=8 m=14
